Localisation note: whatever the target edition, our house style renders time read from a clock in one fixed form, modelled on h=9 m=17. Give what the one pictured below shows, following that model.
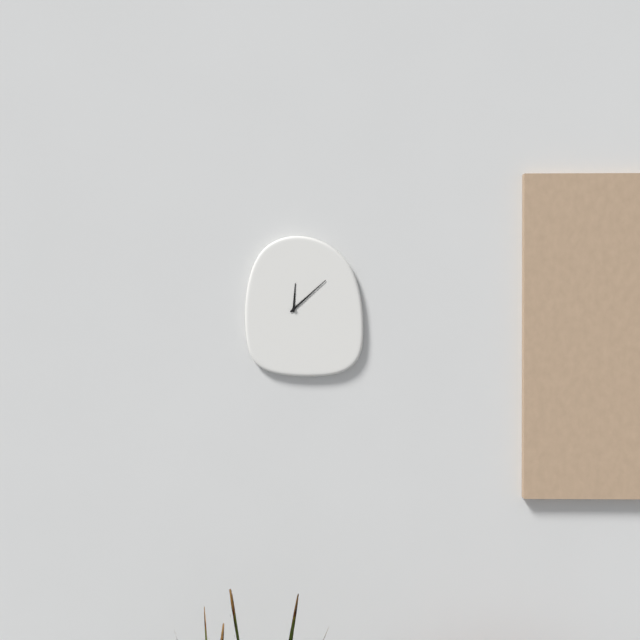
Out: h=12 m=8
